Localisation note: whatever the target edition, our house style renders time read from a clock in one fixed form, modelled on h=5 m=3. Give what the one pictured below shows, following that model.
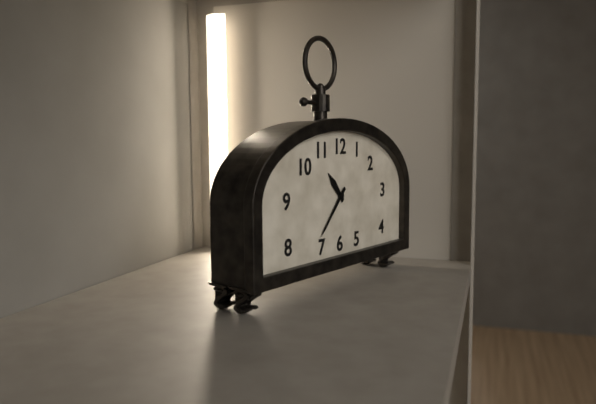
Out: h=10 m=37
